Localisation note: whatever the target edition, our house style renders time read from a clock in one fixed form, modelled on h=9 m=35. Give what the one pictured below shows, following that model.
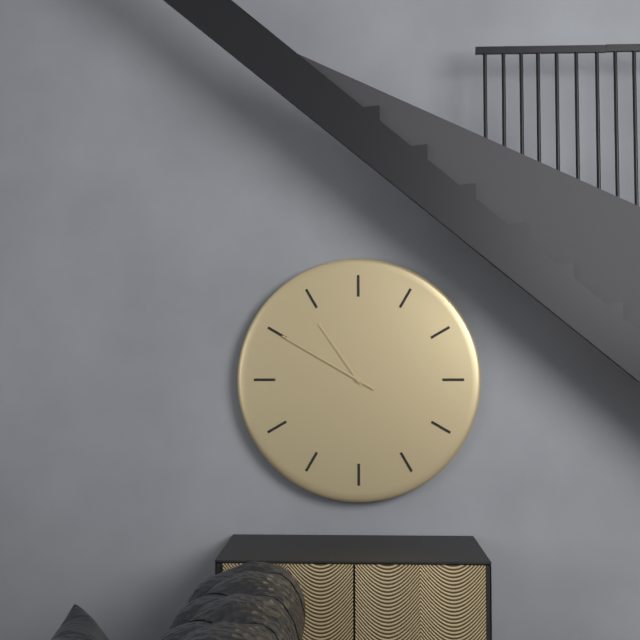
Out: h=10 m=50
